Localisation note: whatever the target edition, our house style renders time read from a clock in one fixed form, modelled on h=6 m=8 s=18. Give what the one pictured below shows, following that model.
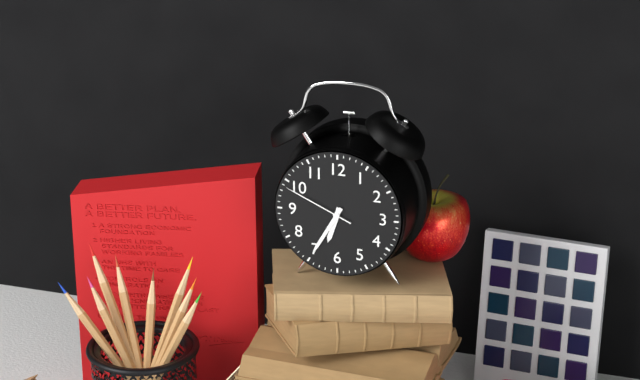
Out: h=6 m=35 s=49
